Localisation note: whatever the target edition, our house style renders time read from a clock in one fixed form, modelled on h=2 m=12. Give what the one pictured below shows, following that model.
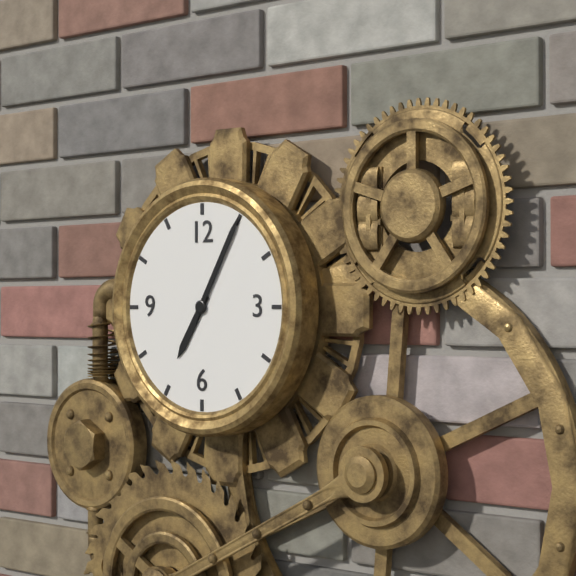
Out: h=7 m=5
